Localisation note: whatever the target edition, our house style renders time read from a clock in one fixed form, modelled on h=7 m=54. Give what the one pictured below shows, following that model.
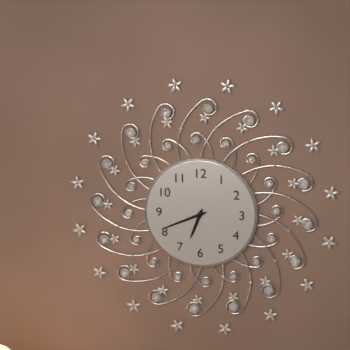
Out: h=6 m=41
